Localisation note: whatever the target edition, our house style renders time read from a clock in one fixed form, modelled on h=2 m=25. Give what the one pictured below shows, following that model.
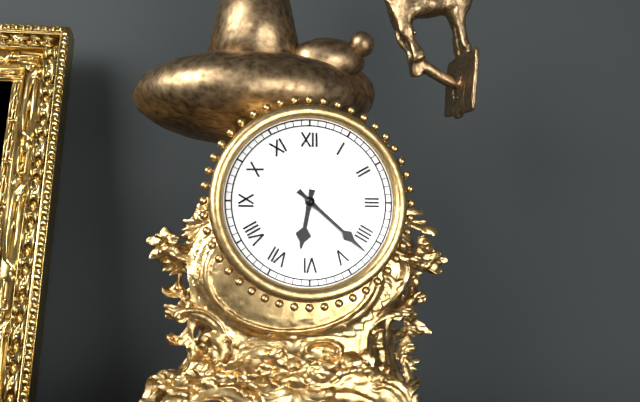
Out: h=6 m=22
